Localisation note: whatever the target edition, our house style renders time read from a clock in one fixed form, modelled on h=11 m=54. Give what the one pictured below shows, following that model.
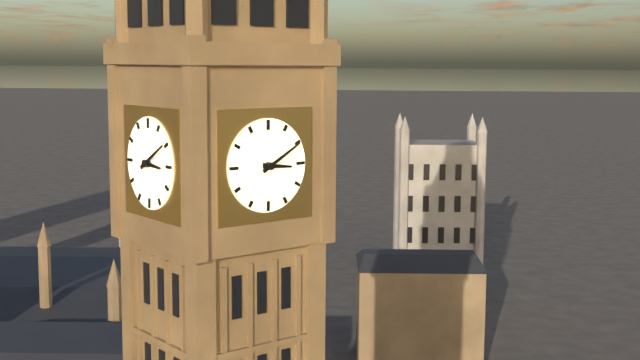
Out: h=3 m=10
